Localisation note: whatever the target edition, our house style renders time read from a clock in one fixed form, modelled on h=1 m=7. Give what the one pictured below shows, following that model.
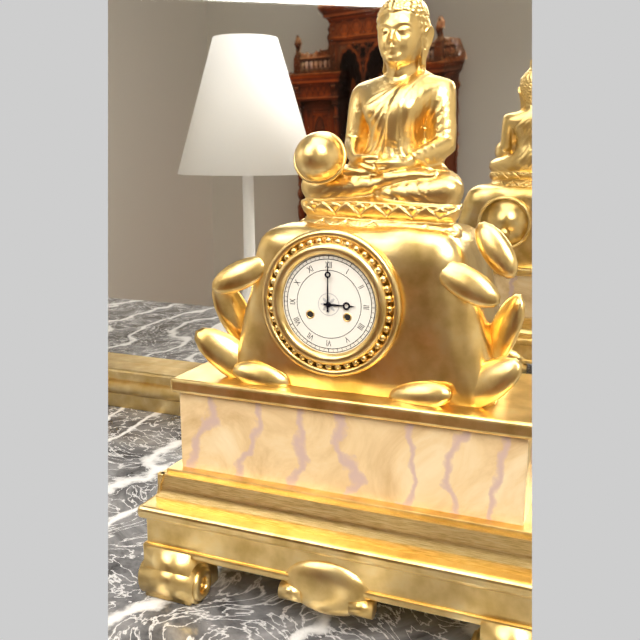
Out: h=3 m=0
